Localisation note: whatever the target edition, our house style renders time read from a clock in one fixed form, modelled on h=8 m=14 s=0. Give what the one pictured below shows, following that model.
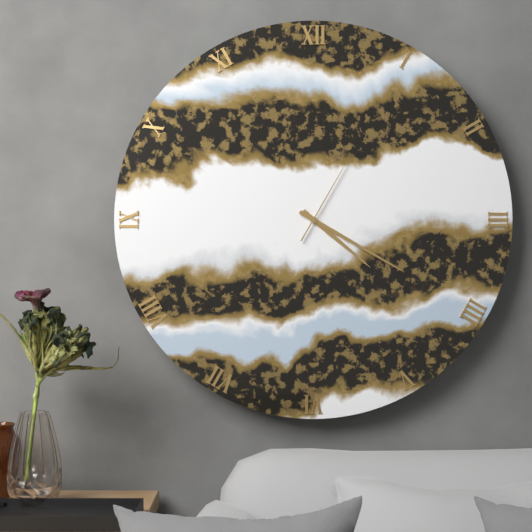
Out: h=4 m=20 s=5
